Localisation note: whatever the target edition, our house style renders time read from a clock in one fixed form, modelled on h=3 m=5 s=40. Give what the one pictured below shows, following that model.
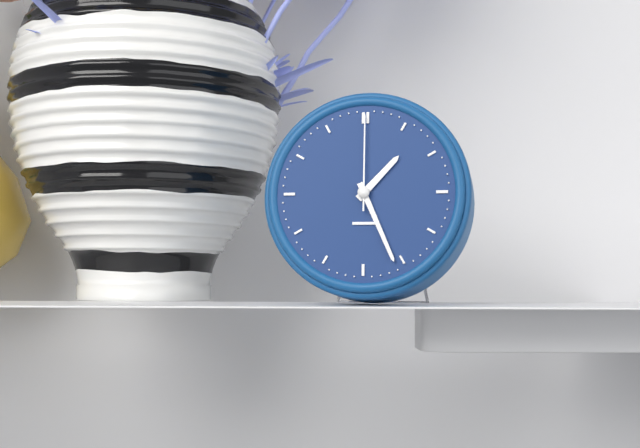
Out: h=1 m=26 s=0
